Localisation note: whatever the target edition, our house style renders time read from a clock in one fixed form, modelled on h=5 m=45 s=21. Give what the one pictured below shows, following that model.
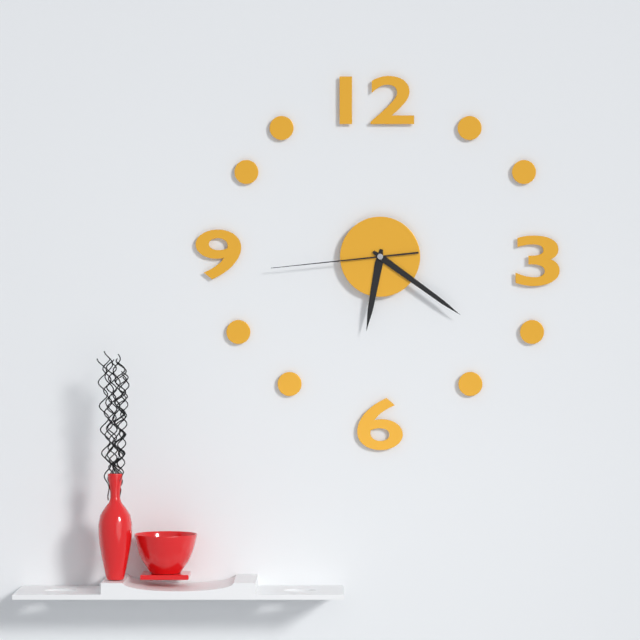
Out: h=6 m=21 s=44
